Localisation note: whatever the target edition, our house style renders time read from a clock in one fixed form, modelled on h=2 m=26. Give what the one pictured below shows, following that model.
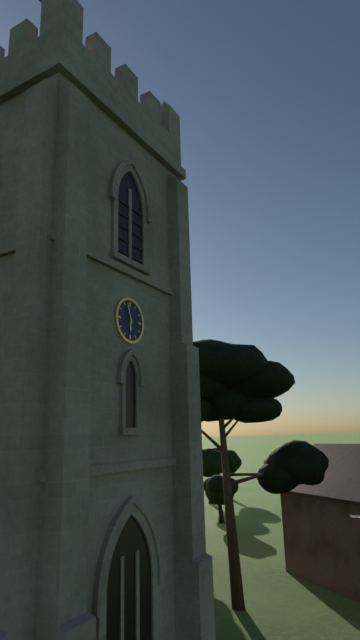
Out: h=5 m=57
